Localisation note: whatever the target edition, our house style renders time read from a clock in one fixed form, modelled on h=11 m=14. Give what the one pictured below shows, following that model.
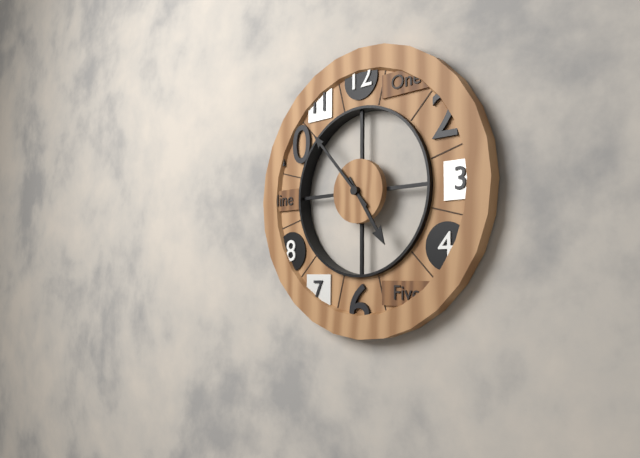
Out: h=4 m=53
